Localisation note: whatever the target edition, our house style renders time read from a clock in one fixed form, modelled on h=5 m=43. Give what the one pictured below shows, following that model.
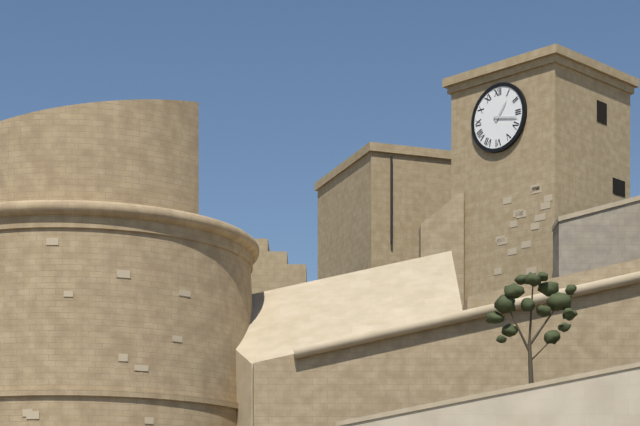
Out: h=1 m=17
